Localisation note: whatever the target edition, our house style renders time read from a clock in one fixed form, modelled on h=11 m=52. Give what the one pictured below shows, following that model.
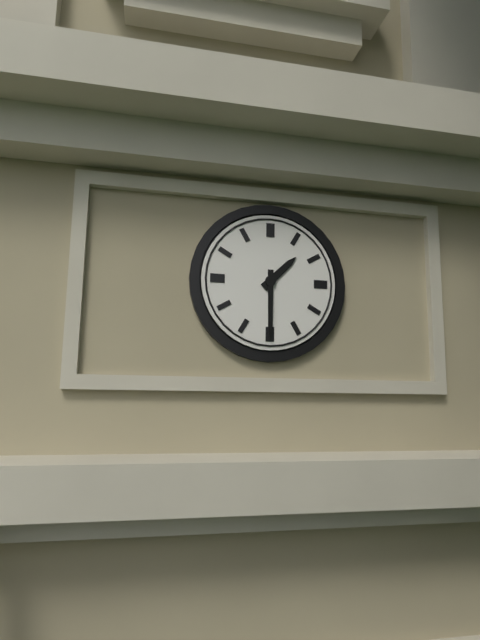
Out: h=1 m=30
